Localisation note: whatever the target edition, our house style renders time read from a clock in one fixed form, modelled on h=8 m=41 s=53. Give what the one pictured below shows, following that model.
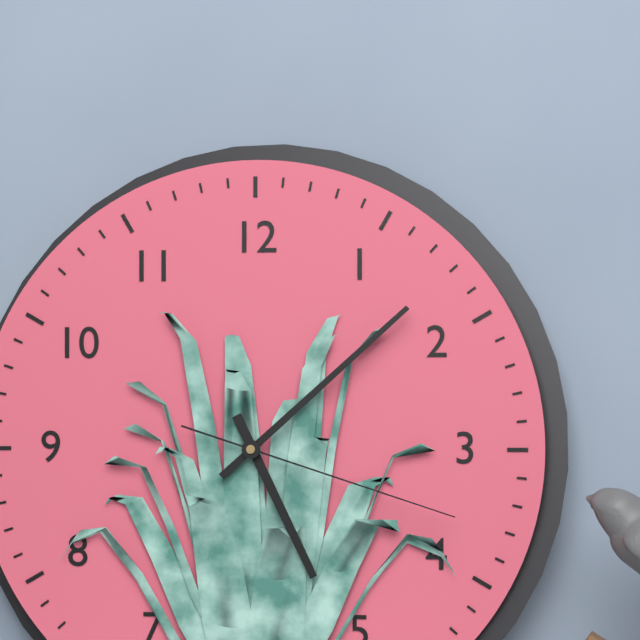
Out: h=5 m=8 s=18
